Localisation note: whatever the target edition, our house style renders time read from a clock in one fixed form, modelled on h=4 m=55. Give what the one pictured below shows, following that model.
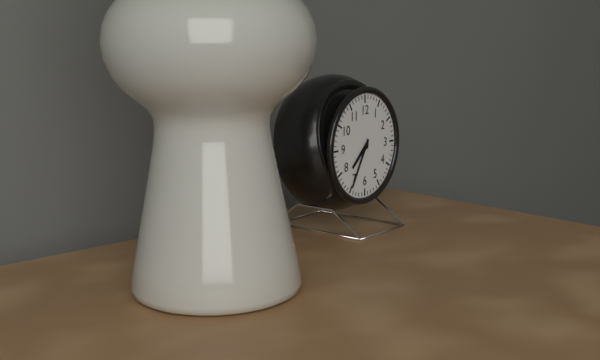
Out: h=7 m=35
